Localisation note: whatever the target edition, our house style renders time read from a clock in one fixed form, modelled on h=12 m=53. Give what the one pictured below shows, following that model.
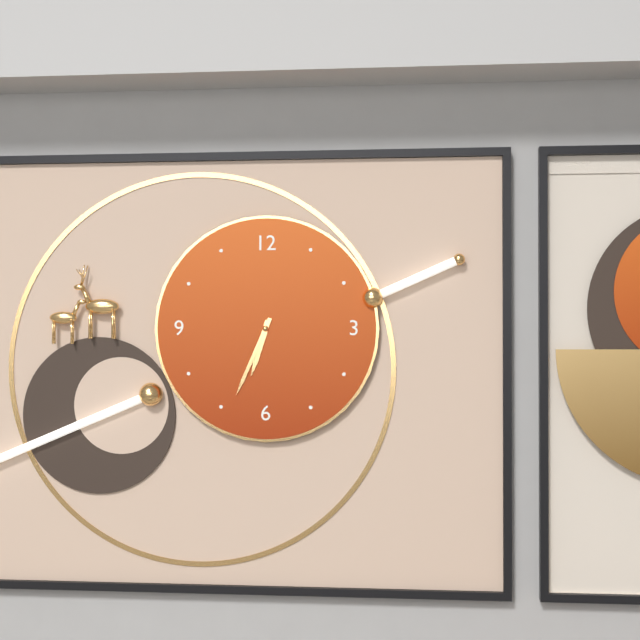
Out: h=6 m=34
